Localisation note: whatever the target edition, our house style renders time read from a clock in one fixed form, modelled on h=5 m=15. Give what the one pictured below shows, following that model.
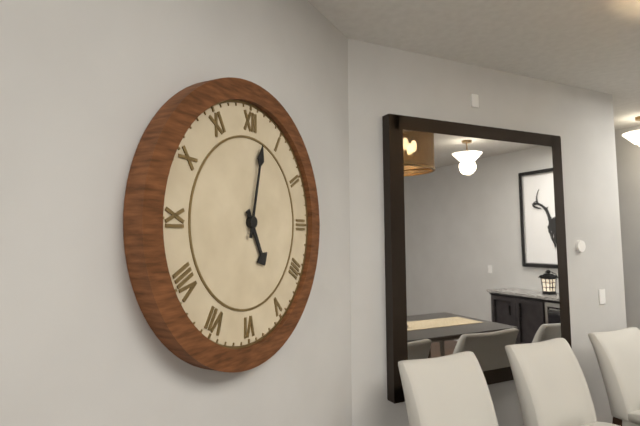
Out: h=5 m=2
